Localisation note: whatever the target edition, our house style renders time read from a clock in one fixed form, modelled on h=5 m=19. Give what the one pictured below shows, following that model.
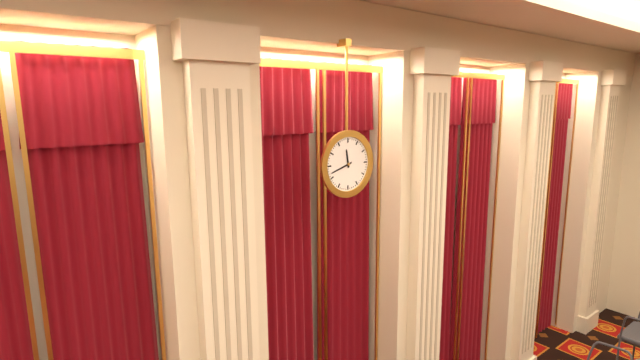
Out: h=11 m=42
